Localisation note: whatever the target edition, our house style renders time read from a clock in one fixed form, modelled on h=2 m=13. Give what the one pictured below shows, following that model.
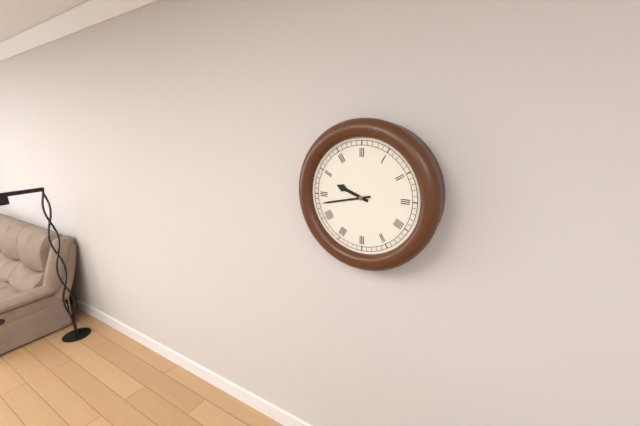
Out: h=9 m=43
